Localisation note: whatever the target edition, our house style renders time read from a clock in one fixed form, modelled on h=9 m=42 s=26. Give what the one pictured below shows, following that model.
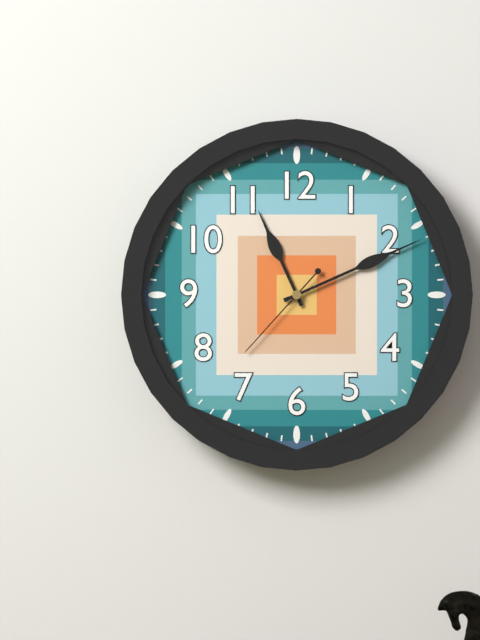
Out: h=11 m=11 s=37
